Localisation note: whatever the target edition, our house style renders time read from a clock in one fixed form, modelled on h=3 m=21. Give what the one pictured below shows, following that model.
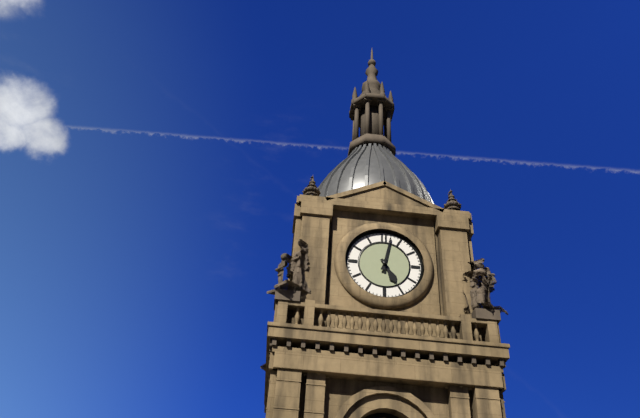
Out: h=5 m=2
